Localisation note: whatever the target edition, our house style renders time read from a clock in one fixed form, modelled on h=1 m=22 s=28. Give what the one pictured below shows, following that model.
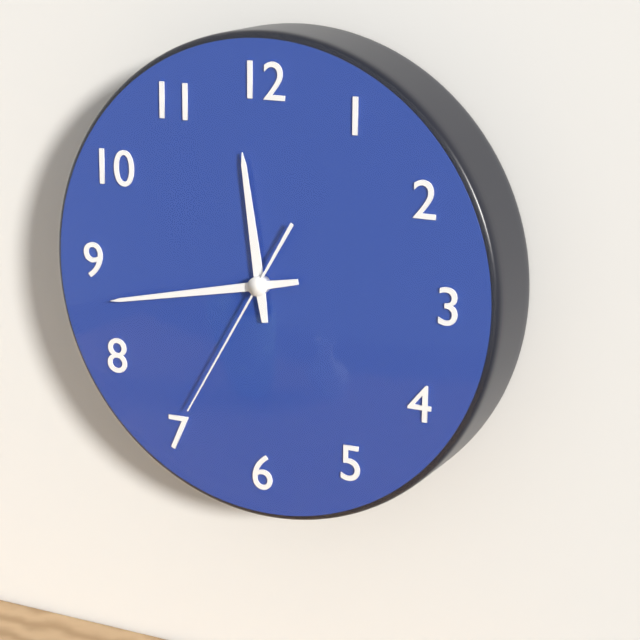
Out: h=11 m=43 s=35
